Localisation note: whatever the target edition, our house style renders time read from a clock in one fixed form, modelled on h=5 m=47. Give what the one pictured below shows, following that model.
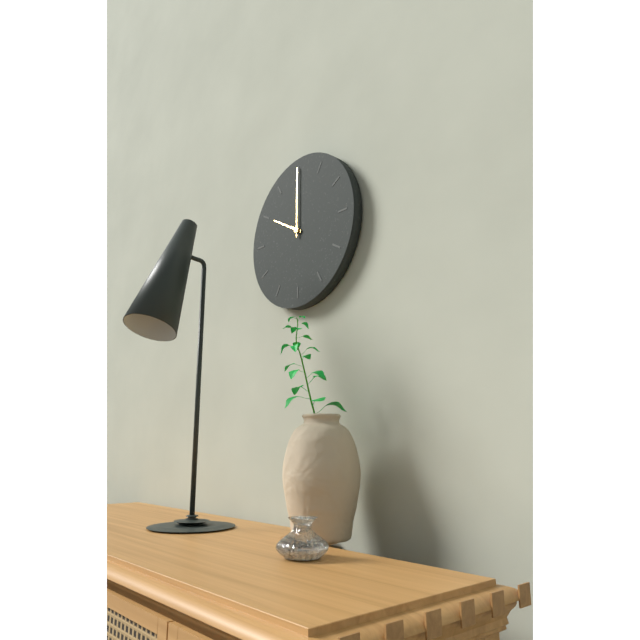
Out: h=10 m=0
